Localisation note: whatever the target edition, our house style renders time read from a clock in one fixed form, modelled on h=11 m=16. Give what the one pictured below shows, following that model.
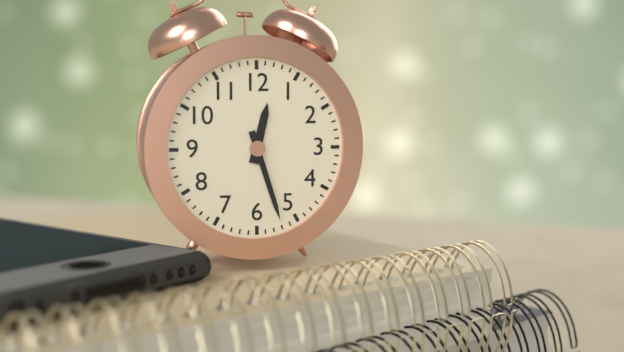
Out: h=12 m=27
